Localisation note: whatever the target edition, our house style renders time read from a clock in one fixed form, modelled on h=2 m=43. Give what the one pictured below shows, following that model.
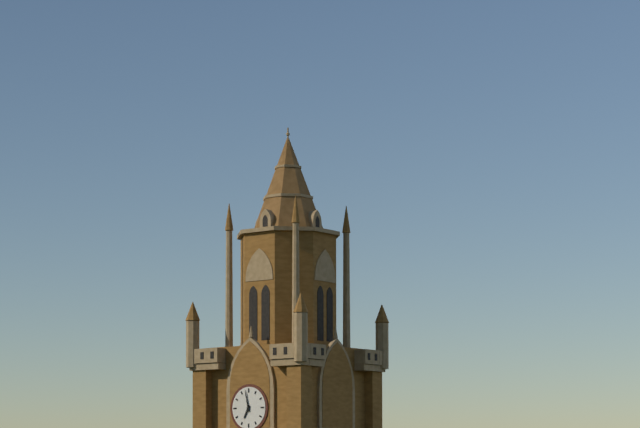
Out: h=6 m=58
